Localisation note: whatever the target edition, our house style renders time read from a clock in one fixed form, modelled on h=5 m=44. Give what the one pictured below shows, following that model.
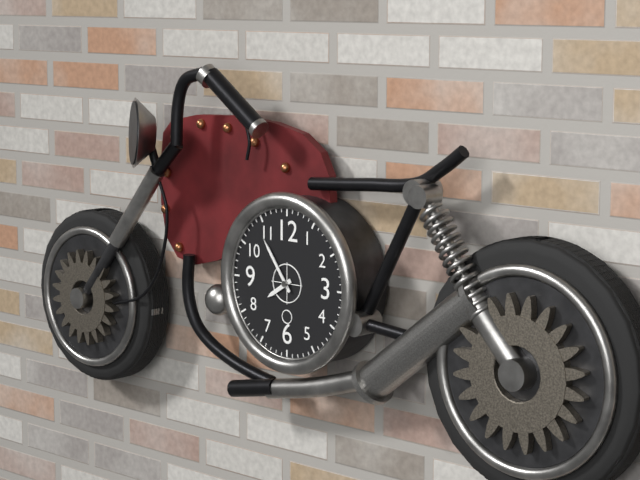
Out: h=7 m=54
